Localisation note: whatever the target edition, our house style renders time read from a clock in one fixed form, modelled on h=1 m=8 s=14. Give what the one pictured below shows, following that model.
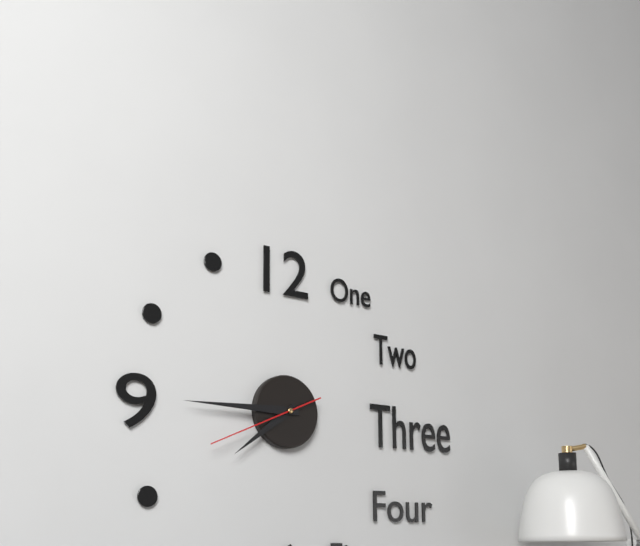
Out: h=7 m=45 s=41
